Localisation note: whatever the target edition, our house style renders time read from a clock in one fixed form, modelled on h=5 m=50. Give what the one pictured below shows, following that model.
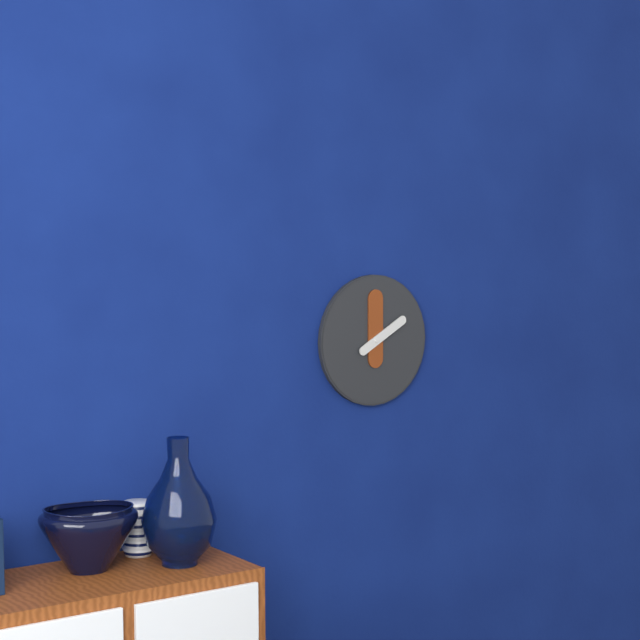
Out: h=2 m=0
